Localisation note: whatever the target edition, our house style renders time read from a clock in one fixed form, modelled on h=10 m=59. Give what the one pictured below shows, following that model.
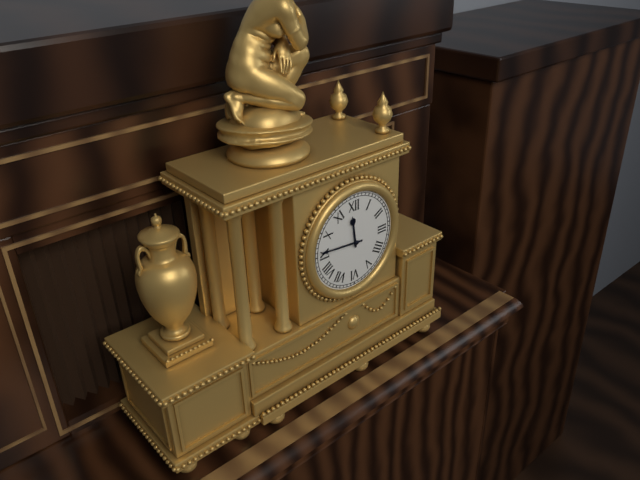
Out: h=11 m=46
